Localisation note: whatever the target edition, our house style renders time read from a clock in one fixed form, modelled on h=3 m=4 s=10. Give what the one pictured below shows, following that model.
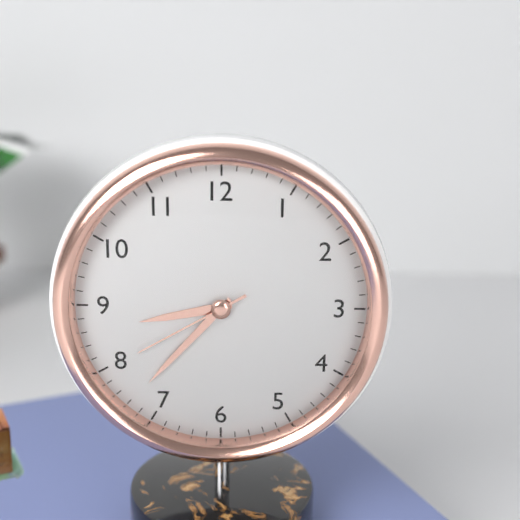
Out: h=8 m=37 s=40
